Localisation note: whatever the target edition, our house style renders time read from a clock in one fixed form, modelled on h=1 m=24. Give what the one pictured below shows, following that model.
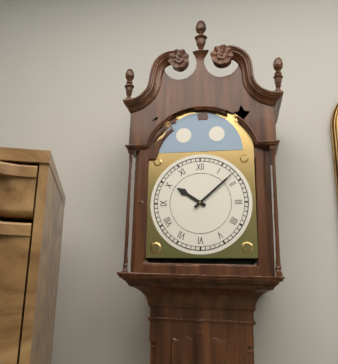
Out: h=10 m=8
